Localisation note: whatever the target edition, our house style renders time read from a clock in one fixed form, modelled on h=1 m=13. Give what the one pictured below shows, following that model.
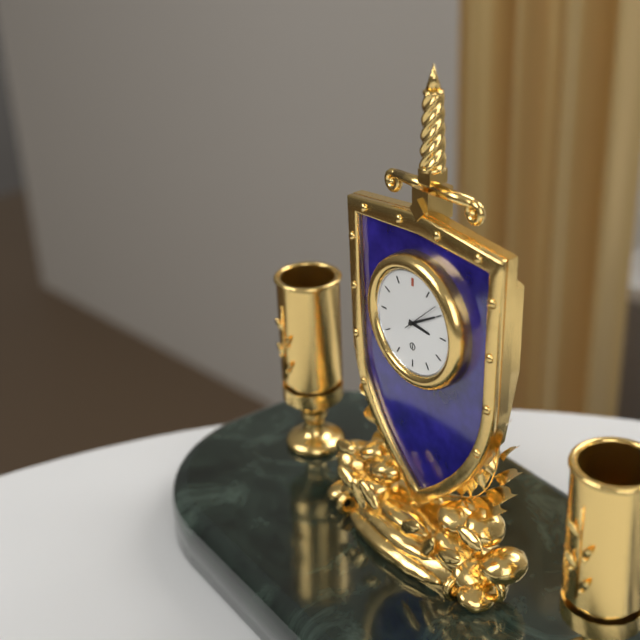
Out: h=3 m=10
